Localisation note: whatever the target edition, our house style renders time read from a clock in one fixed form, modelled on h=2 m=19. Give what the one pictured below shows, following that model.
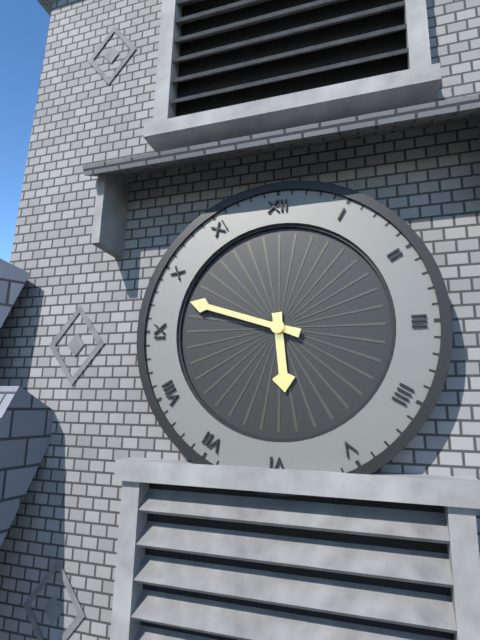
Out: h=5 m=48
